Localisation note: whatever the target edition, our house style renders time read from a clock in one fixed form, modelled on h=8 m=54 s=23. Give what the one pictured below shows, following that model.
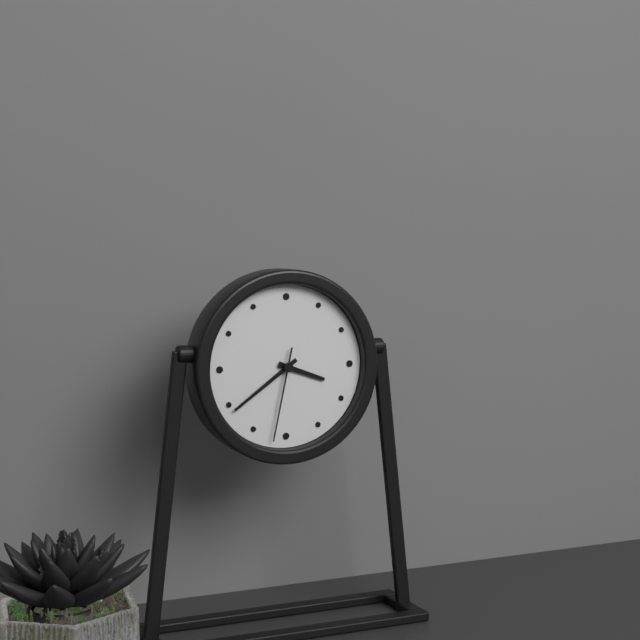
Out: h=3 m=39 s=32
